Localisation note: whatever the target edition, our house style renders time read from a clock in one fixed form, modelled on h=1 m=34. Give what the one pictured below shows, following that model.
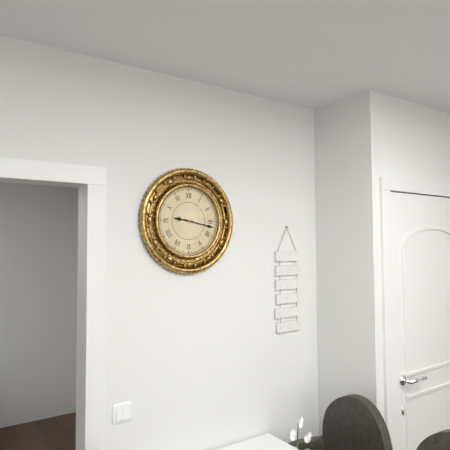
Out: h=9 m=17
